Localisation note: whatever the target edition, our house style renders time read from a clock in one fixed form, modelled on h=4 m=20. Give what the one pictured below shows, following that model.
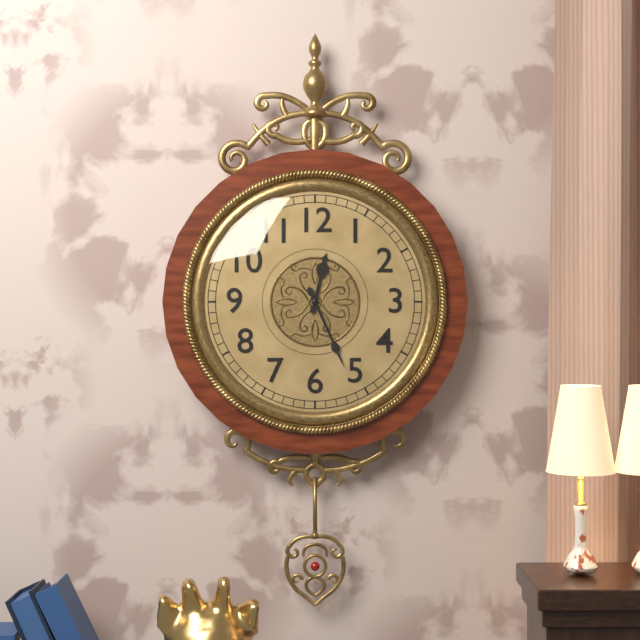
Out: h=12 m=26
